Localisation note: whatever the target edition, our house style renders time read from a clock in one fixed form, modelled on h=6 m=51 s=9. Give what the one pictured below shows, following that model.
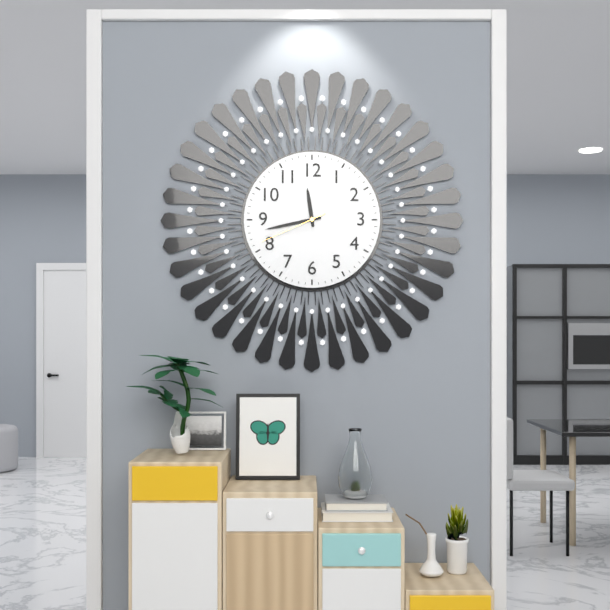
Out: h=11 m=43 s=41
